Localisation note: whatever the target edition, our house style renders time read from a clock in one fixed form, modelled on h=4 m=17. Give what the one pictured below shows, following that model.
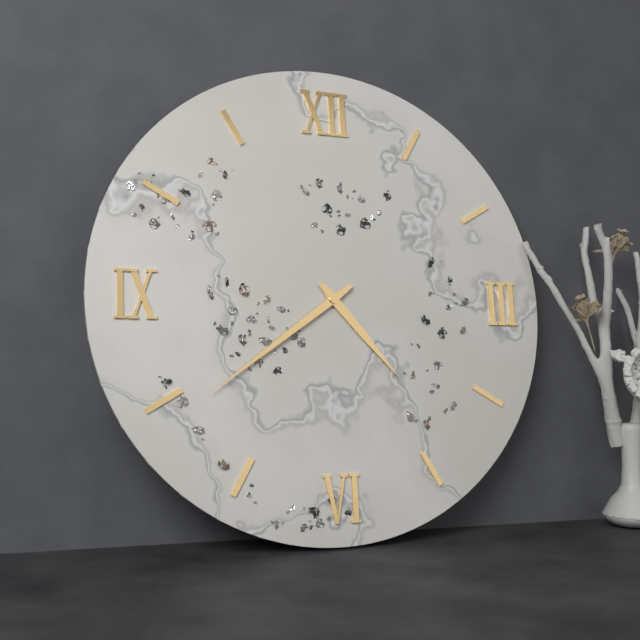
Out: h=4 m=39
